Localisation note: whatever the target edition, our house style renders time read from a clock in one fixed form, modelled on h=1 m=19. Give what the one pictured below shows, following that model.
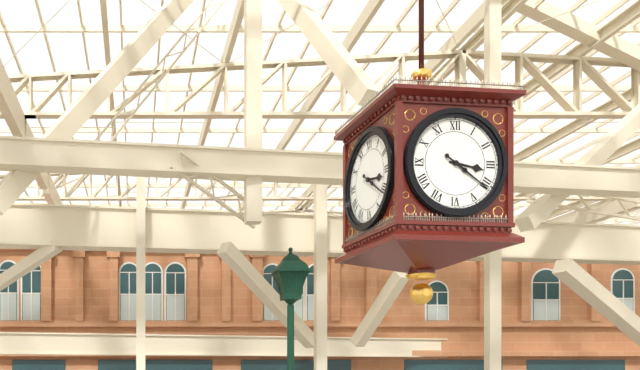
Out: h=3 m=21
